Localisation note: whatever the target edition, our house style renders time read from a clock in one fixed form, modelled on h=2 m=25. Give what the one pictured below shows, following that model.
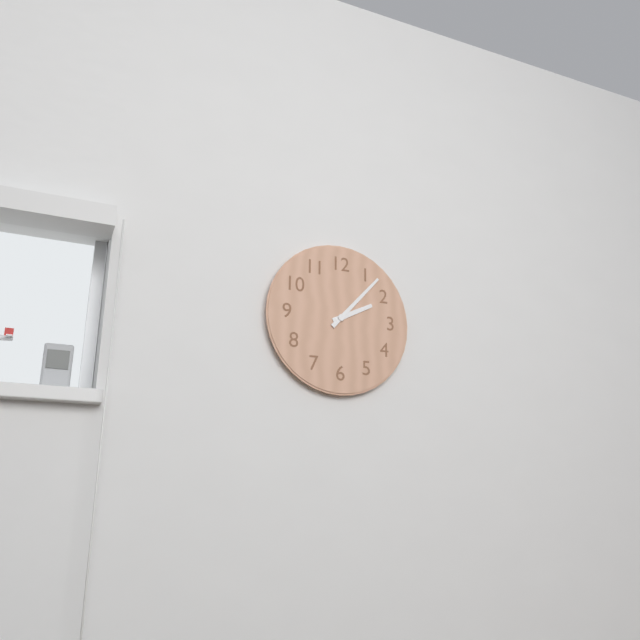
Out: h=2 m=7
